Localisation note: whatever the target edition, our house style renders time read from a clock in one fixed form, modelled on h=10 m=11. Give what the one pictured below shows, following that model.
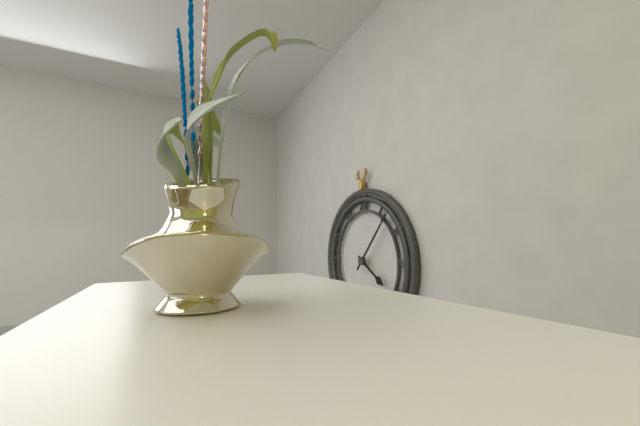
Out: h=4 m=7
